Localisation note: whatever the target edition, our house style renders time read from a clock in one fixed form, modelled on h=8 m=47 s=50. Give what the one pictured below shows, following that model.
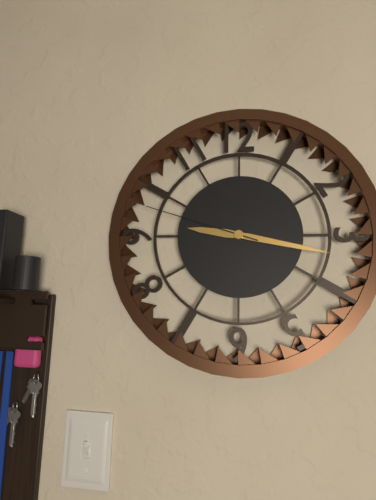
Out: h=9 m=17 s=48
